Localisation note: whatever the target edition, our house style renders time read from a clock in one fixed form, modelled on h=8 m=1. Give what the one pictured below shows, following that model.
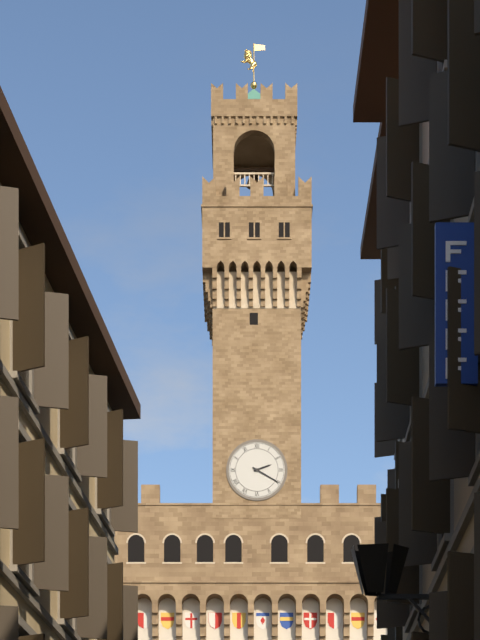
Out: h=2 m=20
